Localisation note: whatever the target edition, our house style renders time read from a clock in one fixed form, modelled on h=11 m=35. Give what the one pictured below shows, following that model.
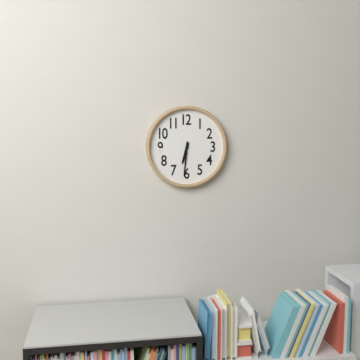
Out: h=6 m=31
